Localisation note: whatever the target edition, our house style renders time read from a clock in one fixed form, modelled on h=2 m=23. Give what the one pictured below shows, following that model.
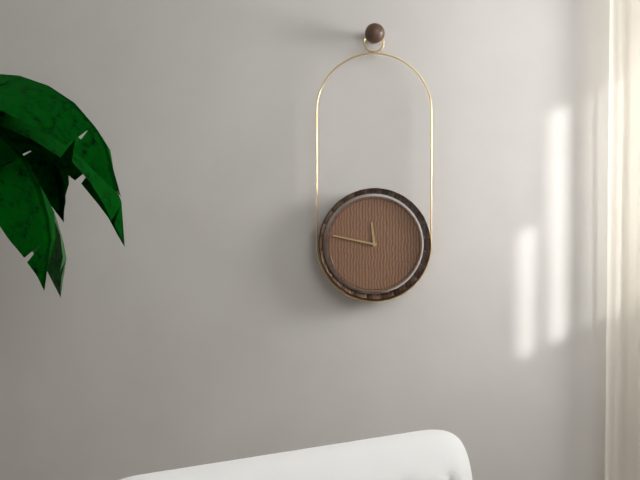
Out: h=11 m=47
